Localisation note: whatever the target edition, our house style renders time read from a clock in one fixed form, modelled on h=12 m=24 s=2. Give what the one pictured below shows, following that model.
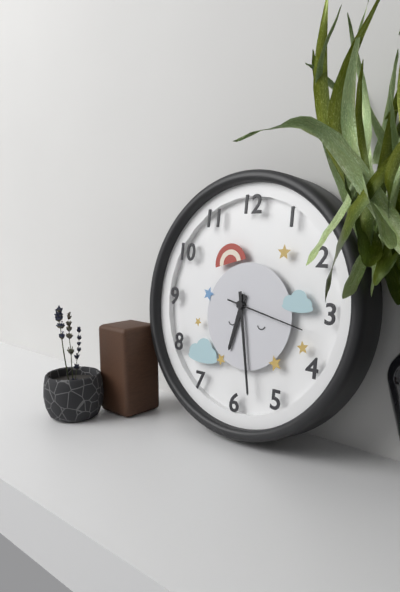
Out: h=6 m=28 s=17
